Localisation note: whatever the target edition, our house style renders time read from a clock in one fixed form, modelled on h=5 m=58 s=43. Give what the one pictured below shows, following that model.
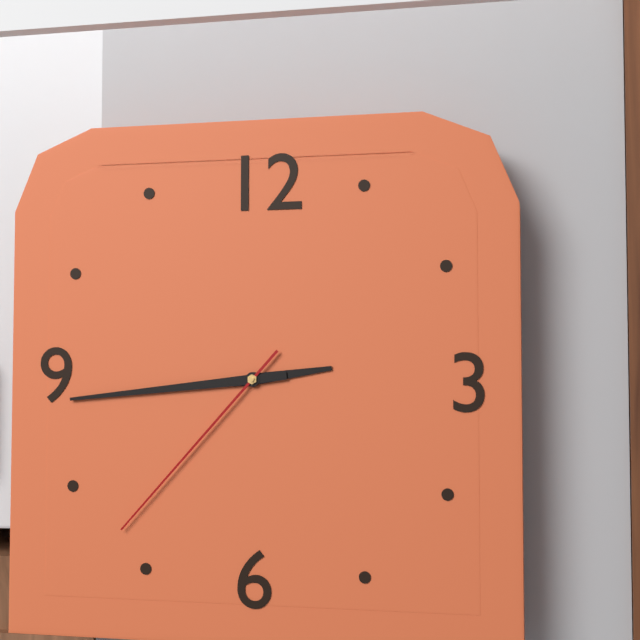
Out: h=2 m=44 s=37
